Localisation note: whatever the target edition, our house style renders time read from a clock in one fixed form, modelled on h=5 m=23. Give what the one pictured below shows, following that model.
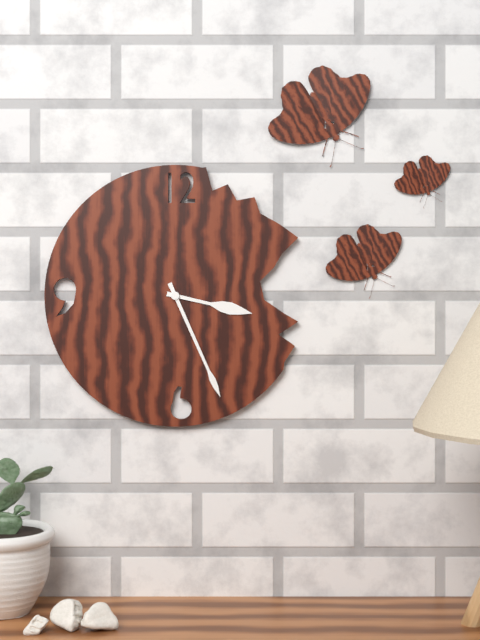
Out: h=3 m=26
